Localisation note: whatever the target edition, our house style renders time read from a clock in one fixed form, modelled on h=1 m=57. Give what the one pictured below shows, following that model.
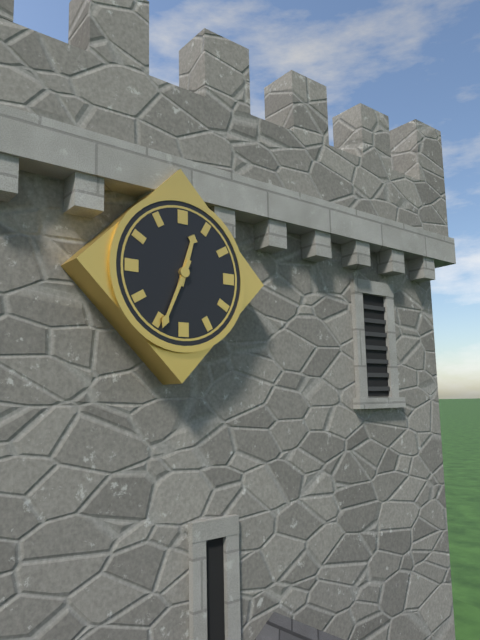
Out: h=12 m=34
